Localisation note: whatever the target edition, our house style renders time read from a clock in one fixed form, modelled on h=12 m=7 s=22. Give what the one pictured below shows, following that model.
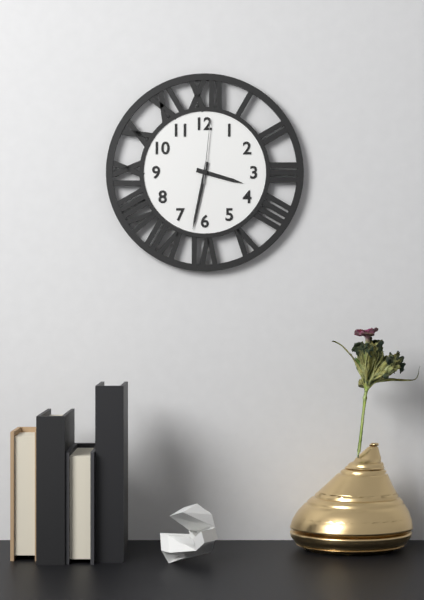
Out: h=3 m=32 s=1
